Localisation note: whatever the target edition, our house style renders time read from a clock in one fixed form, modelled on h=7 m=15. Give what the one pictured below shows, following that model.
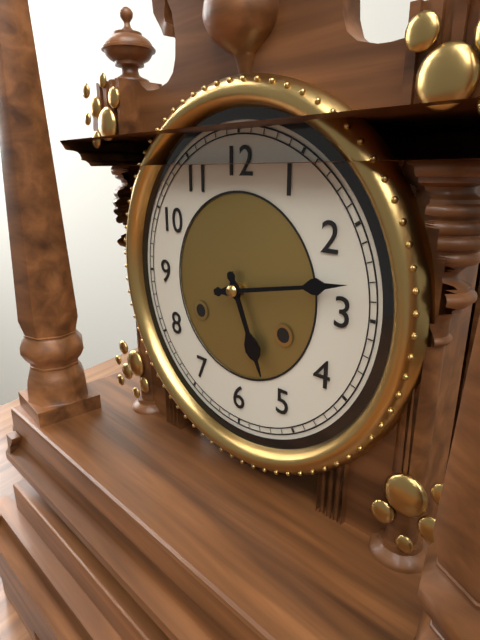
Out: h=5 m=13
